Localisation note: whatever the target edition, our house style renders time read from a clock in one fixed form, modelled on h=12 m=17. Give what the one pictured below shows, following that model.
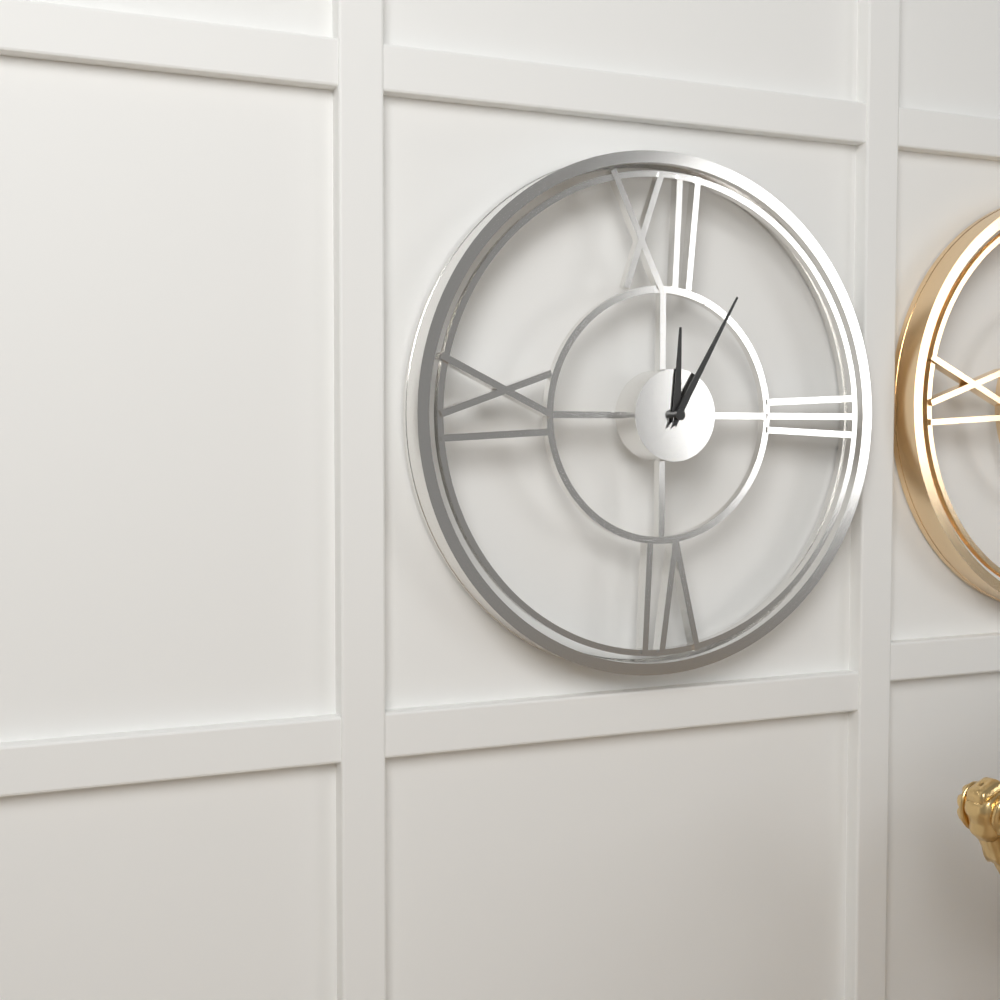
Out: h=12 m=5
